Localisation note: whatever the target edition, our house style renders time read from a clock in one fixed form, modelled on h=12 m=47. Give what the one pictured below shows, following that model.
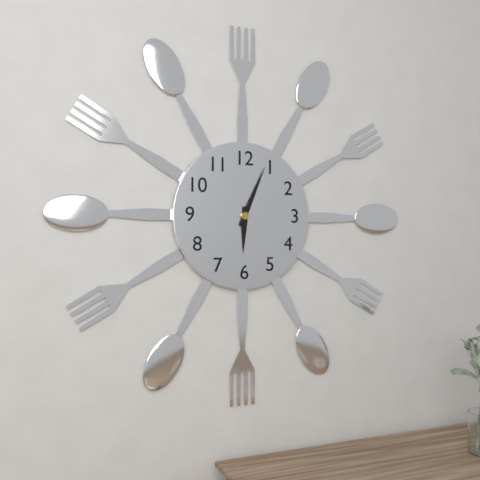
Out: h=6 m=4
